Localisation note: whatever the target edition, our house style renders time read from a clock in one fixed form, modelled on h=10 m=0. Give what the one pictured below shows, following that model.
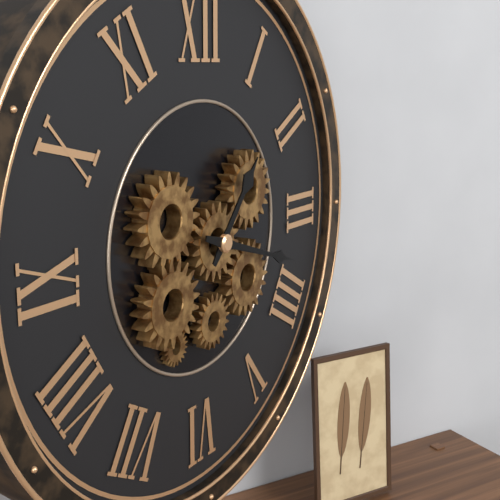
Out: h=1 m=18
